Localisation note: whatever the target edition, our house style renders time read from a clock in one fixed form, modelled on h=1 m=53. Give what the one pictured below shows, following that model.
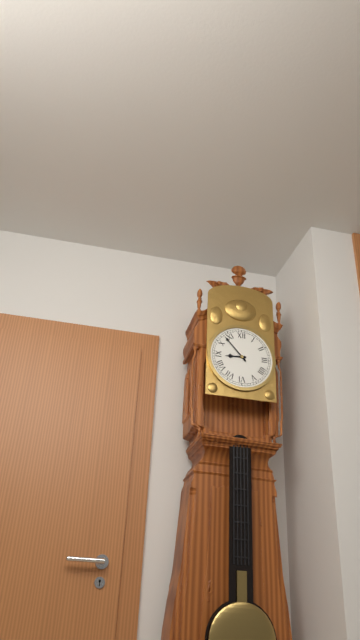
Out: h=8 m=53
